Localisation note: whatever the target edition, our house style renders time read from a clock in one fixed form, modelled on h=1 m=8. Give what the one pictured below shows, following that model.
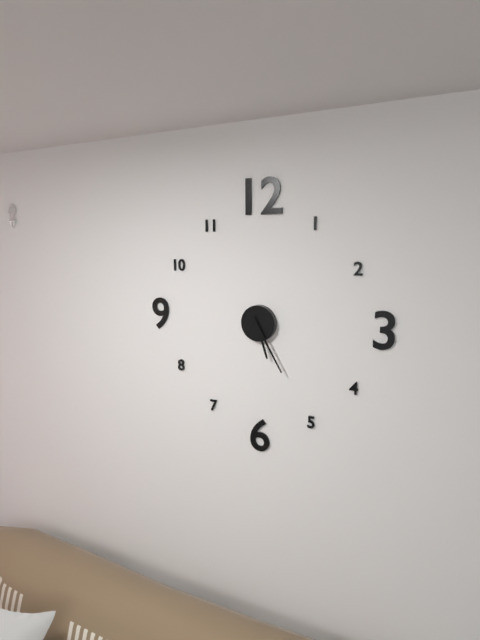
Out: h=5 m=25
